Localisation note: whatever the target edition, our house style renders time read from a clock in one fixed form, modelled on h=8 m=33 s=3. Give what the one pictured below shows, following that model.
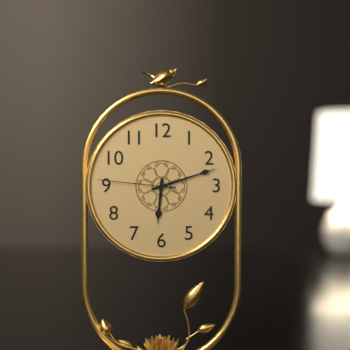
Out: h=6 m=12 s=46
